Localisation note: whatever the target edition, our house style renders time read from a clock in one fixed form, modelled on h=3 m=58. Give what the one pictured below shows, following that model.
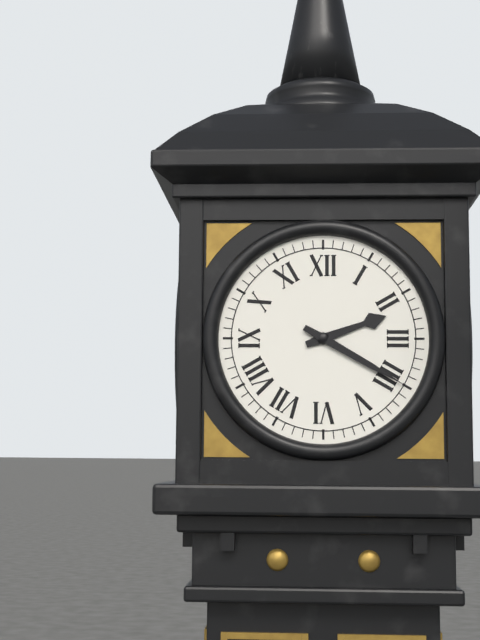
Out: h=2 m=20
